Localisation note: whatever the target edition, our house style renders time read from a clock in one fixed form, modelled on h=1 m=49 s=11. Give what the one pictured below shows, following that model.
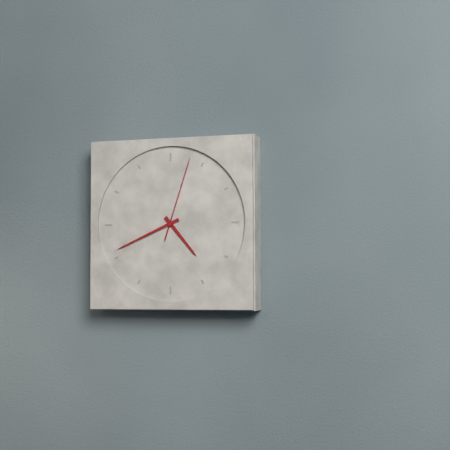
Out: h=4 m=41 s=3
